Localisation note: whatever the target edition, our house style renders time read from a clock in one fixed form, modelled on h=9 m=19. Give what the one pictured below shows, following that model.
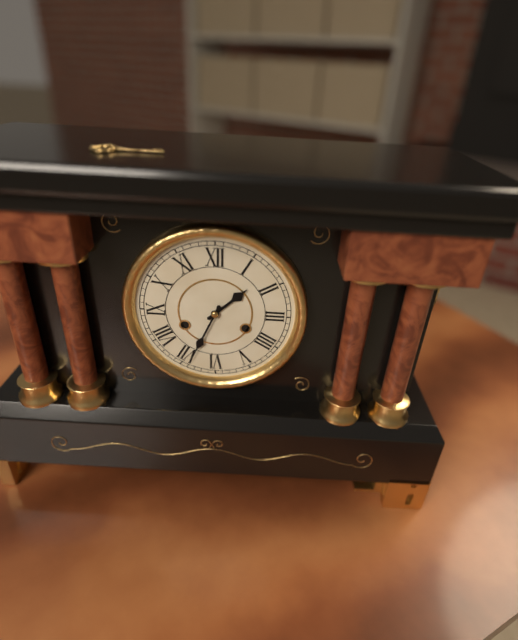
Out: h=1 m=34
